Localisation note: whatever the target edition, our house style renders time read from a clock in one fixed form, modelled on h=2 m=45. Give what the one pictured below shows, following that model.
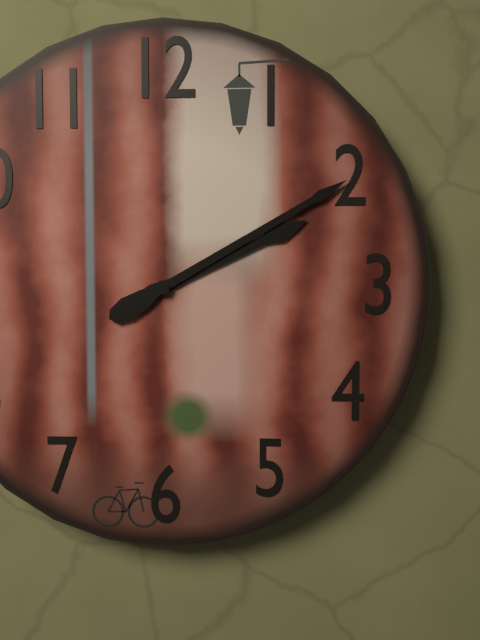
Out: h=2 m=10
